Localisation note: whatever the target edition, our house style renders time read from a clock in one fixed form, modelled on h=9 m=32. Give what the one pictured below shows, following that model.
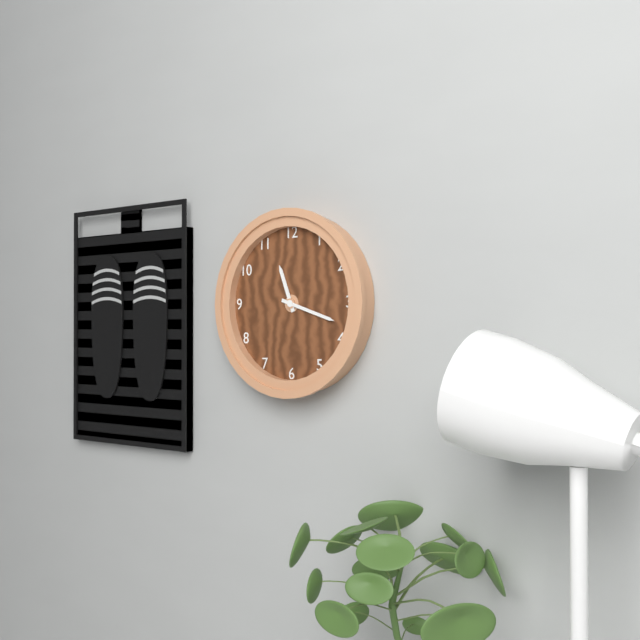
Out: h=11 m=18
